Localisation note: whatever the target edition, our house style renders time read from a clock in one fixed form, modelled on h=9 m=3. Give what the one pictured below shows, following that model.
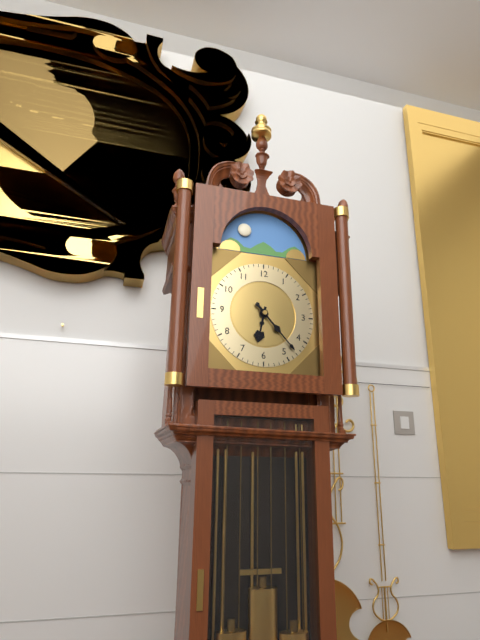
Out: h=6 m=23
